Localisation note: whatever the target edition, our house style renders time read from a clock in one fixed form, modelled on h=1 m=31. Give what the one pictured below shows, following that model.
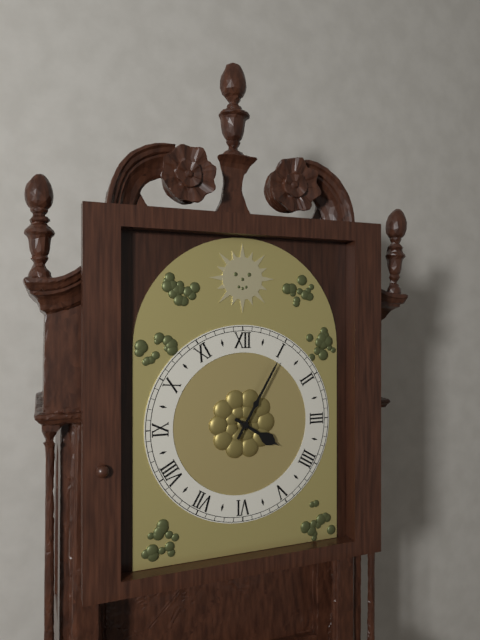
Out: h=4 m=5
